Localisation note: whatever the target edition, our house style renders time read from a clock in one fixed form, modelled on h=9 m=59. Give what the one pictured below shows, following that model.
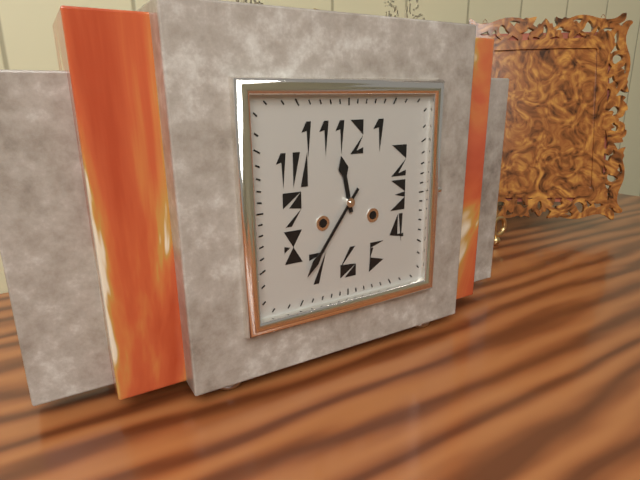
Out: h=11 m=36
